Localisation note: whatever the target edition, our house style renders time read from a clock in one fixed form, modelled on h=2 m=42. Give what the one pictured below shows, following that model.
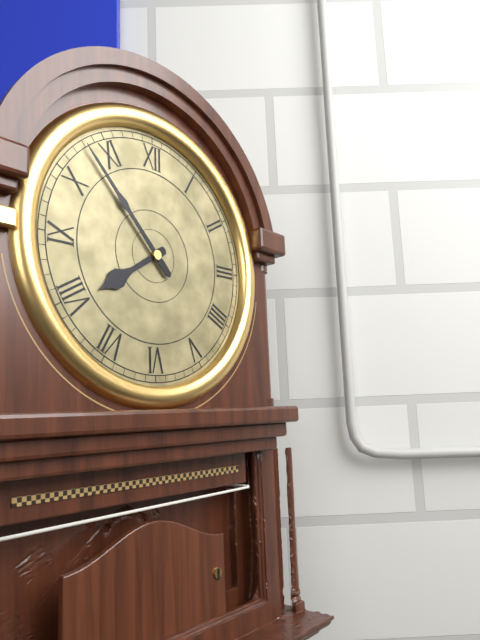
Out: h=7 m=53
